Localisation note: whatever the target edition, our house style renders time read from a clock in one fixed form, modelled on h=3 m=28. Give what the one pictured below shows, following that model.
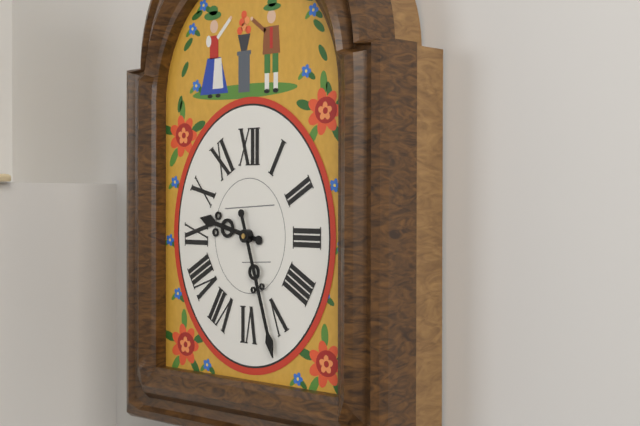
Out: h=9 m=27
